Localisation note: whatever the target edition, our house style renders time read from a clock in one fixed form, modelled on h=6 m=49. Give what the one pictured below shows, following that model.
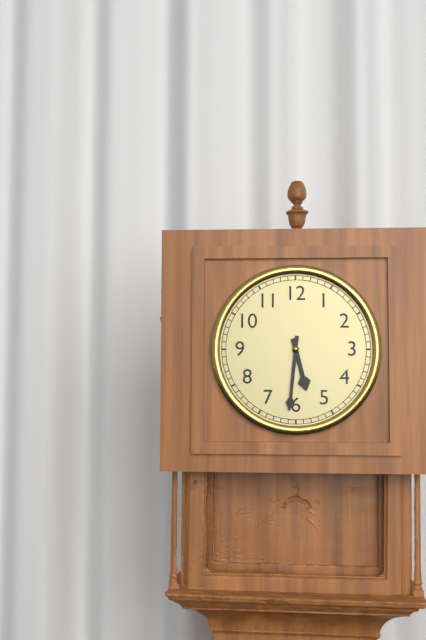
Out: h=5 m=31
